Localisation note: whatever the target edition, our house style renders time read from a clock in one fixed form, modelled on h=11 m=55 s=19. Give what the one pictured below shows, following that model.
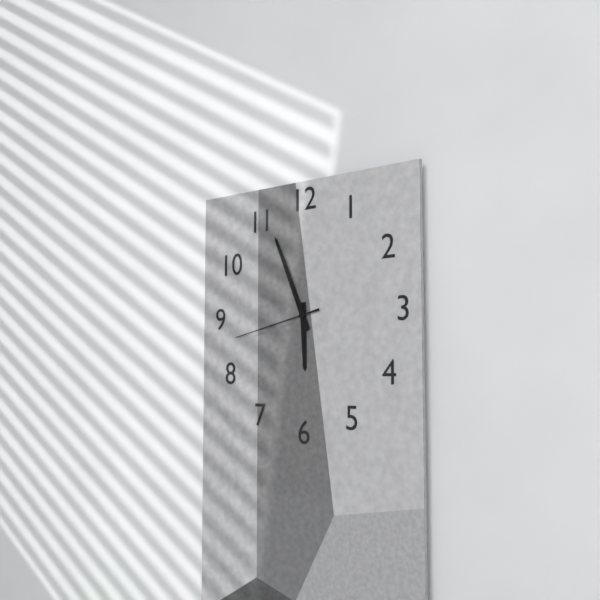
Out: h=5 m=56 s=43
